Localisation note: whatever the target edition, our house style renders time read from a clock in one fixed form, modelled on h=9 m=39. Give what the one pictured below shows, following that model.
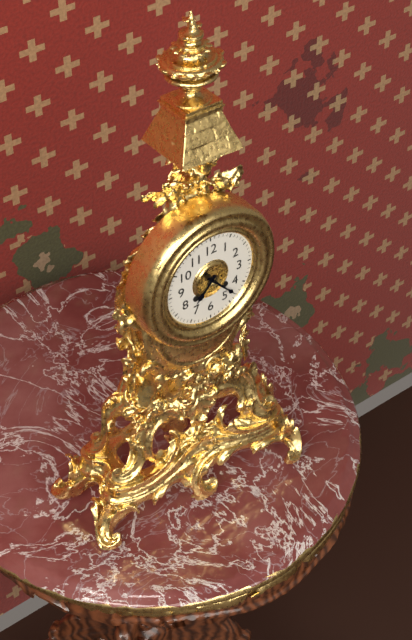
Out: h=7 m=23
